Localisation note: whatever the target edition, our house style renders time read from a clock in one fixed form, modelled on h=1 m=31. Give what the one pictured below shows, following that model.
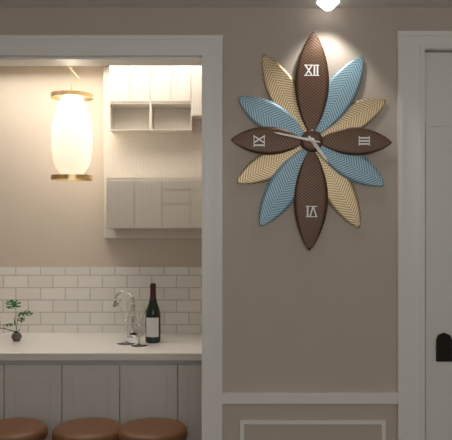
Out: h=4 m=47
